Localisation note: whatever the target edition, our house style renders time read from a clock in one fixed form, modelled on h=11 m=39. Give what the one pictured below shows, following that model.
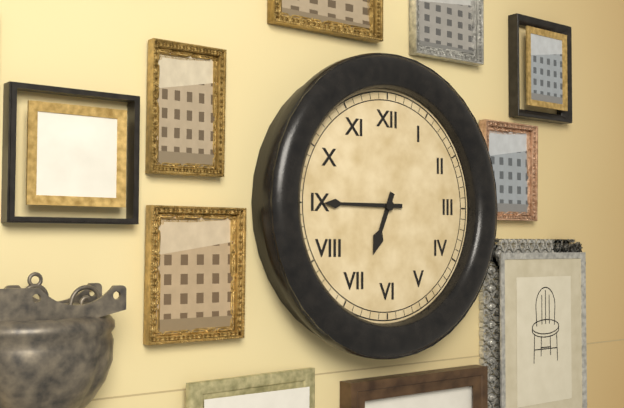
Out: h=6 m=45
